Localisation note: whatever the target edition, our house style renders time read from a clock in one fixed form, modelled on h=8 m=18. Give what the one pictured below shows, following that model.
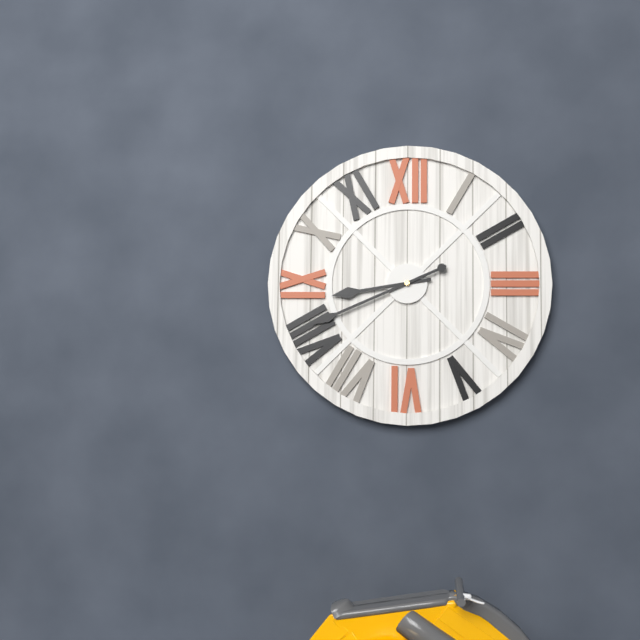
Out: h=8 m=41
